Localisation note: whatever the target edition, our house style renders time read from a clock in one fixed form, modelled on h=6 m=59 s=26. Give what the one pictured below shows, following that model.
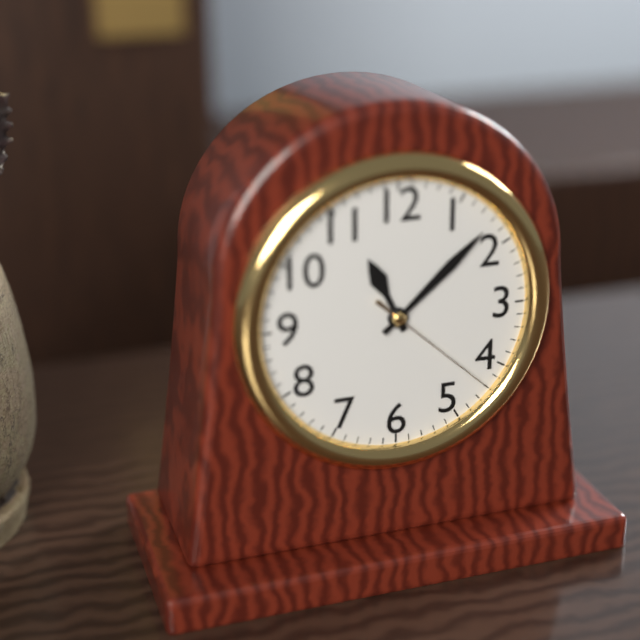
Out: h=11 m=8 s=22
